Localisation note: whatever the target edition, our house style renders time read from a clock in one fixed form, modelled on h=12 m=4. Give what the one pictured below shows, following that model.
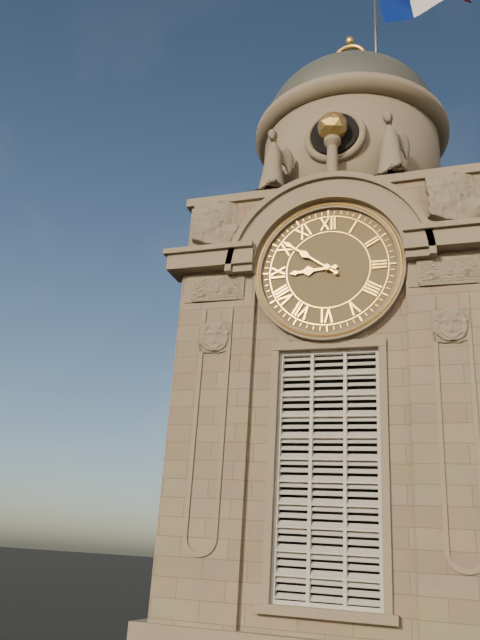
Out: h=8 m=51
